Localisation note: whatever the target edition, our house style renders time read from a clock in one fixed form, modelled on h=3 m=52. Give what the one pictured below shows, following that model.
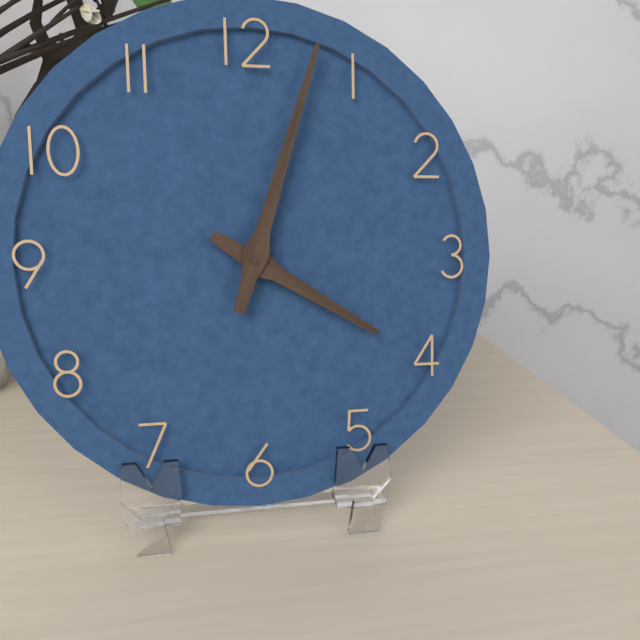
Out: h=4 m=3
